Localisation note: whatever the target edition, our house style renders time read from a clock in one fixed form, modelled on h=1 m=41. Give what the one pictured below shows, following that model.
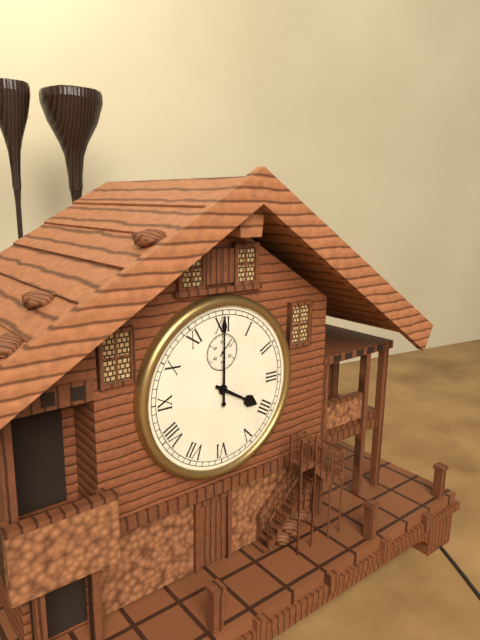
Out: h=4 m=0
